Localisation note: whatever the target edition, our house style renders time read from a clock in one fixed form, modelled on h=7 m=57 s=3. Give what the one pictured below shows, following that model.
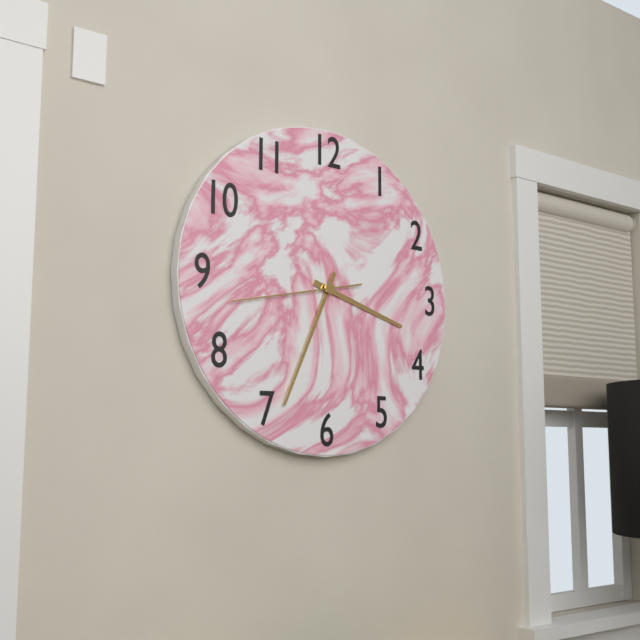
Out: h=3 m=34 s=43
